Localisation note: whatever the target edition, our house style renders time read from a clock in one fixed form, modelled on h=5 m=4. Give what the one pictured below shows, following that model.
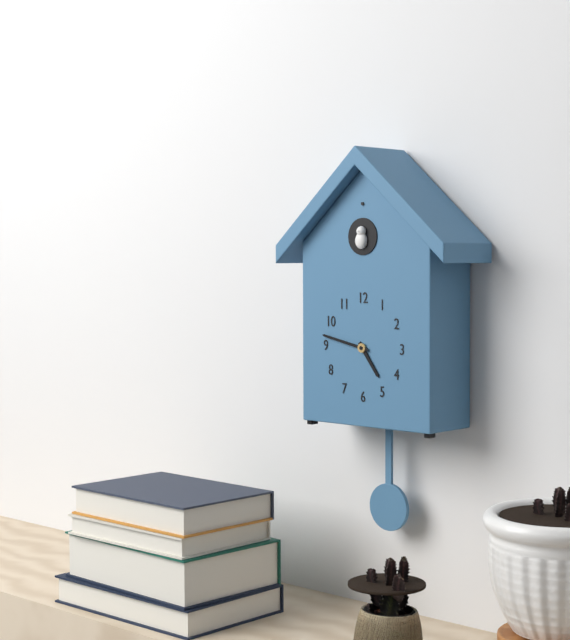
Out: h=4 m=47
